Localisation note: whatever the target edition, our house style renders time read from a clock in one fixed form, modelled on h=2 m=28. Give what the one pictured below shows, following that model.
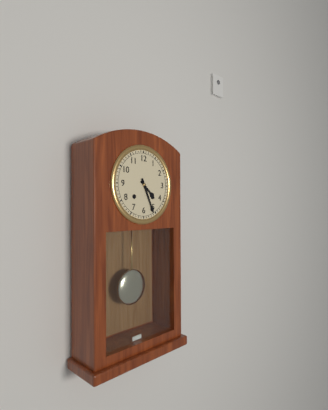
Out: h=4 m=26
